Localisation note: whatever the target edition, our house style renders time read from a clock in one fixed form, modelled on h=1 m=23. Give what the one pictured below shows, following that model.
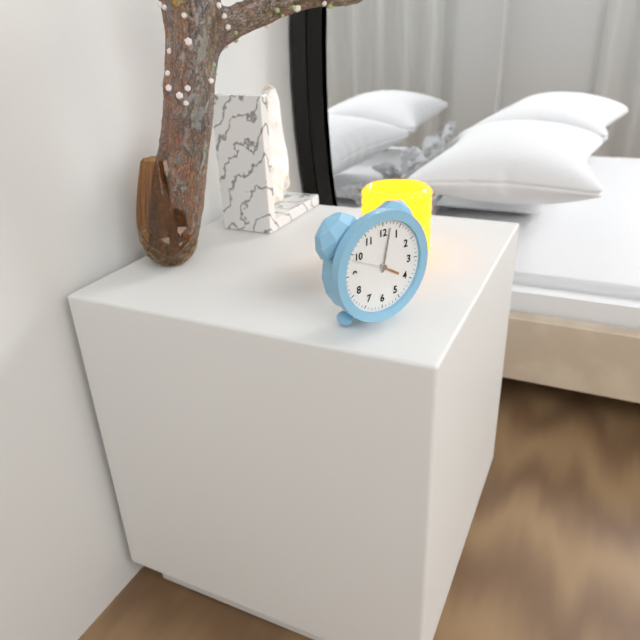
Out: h=4 m=2
